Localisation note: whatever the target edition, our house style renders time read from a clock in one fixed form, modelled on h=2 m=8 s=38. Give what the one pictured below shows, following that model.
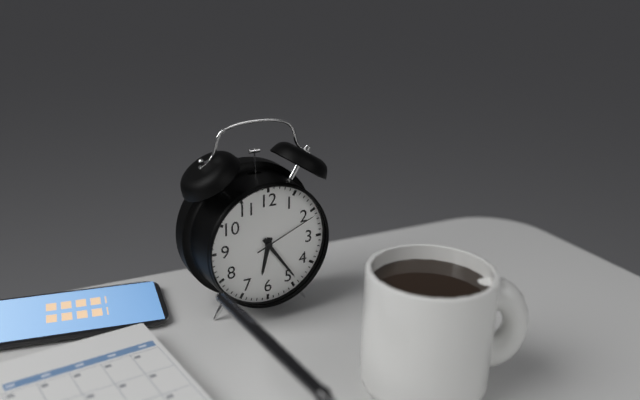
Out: h=6 m=24 s=11
